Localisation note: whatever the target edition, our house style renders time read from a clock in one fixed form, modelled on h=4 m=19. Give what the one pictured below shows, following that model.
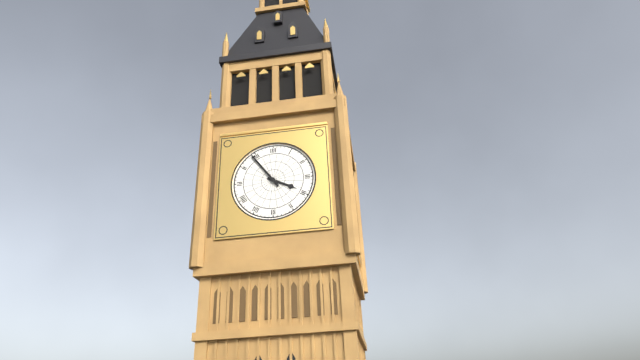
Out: h=3 m=54
